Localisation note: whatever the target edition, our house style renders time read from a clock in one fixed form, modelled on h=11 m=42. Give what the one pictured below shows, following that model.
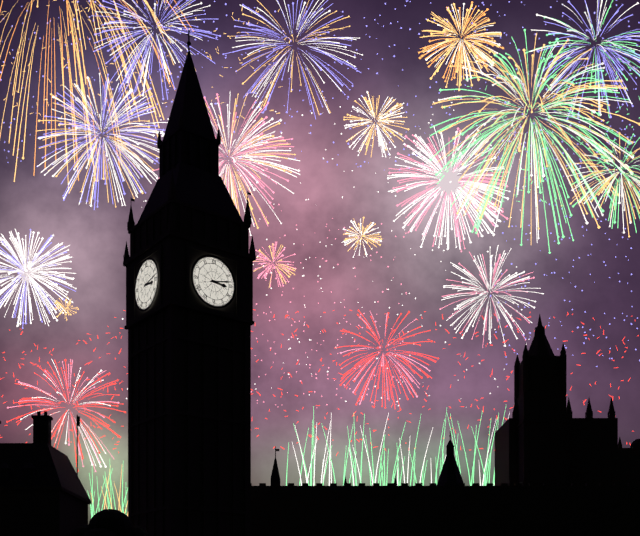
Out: h=3 m=13
